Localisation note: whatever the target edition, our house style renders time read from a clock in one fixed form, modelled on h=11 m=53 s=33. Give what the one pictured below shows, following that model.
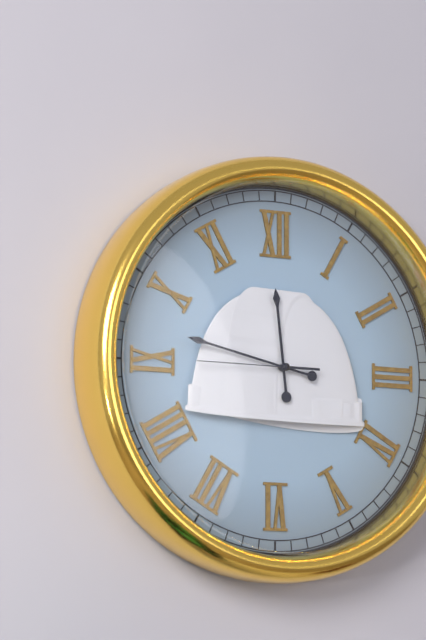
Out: h=11 m=47 s=45
